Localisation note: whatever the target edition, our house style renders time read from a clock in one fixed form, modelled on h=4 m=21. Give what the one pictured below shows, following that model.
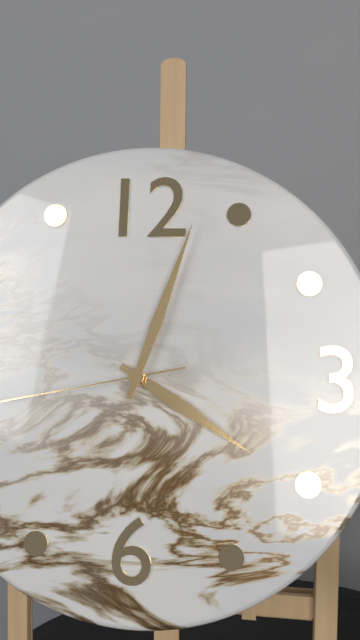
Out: h=4 m=3
